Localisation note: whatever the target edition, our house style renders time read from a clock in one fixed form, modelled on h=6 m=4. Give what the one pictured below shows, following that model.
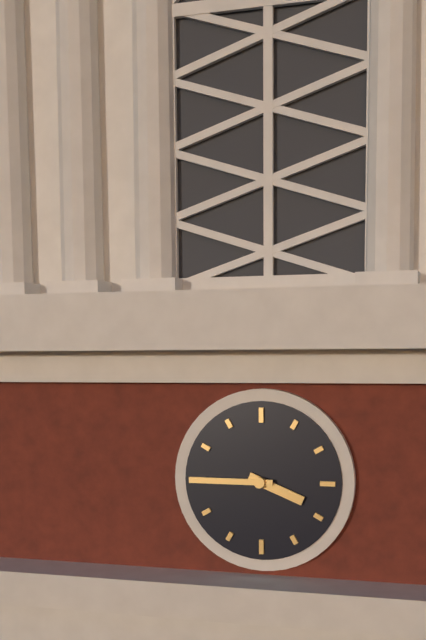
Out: h=3 m=45
